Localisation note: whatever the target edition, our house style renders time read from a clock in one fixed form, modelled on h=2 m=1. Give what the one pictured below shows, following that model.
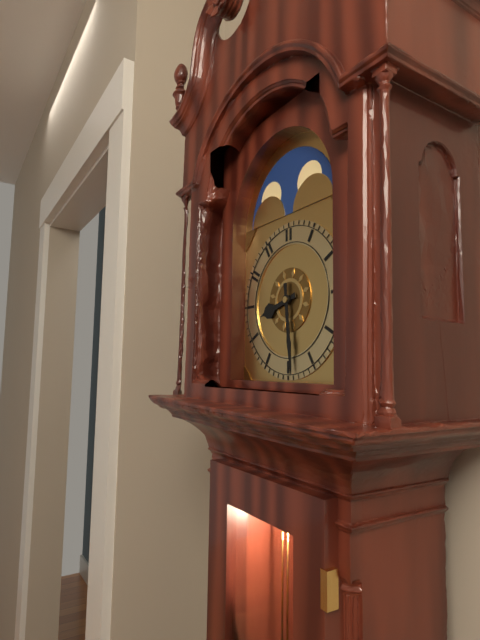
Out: h=8 m=29
